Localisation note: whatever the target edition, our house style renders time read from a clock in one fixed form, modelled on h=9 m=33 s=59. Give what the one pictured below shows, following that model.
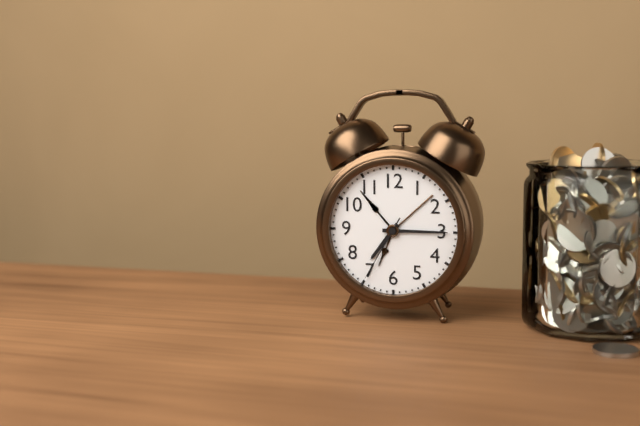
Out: h=7 m=15 s=35
